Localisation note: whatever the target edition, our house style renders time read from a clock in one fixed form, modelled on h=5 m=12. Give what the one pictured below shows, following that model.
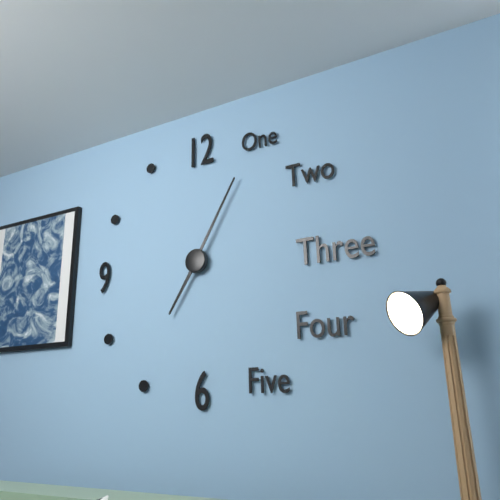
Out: h=7 m=5
